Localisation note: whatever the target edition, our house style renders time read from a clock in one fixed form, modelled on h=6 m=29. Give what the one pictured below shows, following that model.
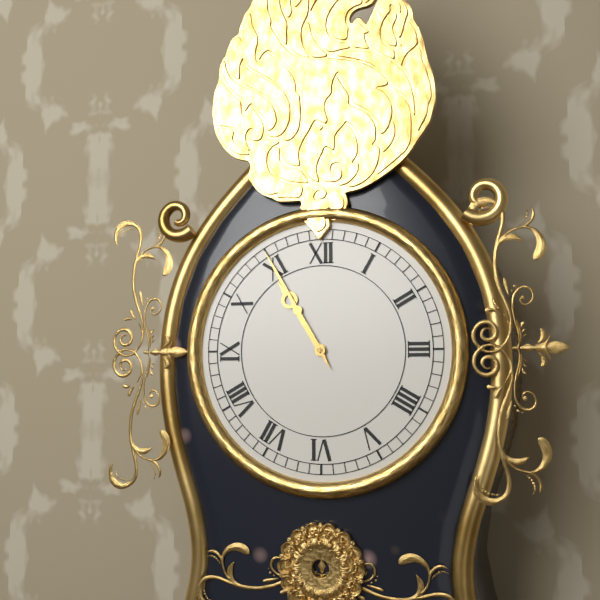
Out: h=10 m=55
